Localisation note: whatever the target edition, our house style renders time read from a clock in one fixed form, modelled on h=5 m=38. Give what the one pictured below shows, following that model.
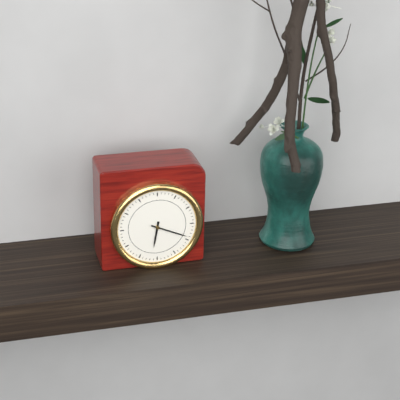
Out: h=6 m=19
